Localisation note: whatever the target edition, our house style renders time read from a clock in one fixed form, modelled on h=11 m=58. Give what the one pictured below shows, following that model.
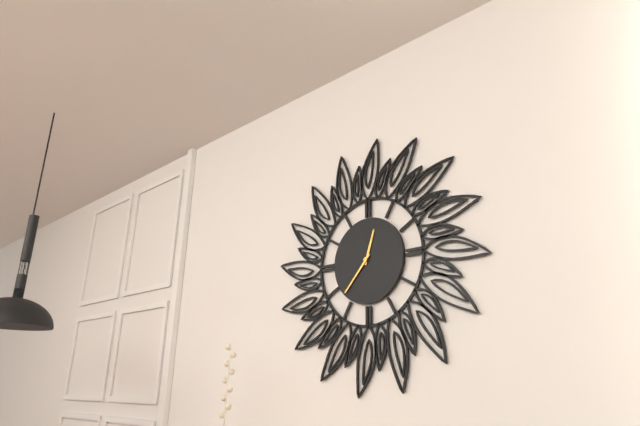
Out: h=12 m=37
